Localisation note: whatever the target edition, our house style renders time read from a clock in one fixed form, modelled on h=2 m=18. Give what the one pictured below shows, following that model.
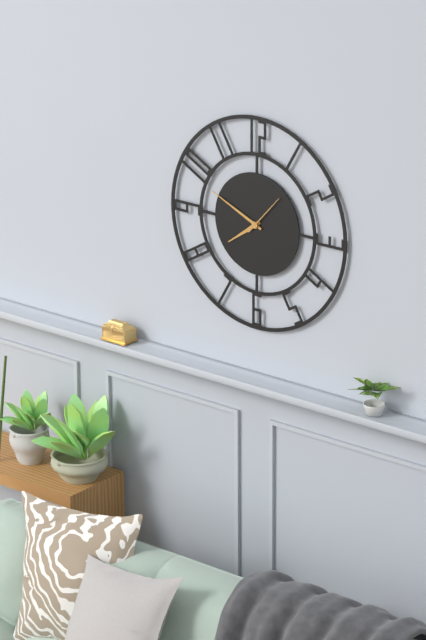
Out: h=7 m=49
